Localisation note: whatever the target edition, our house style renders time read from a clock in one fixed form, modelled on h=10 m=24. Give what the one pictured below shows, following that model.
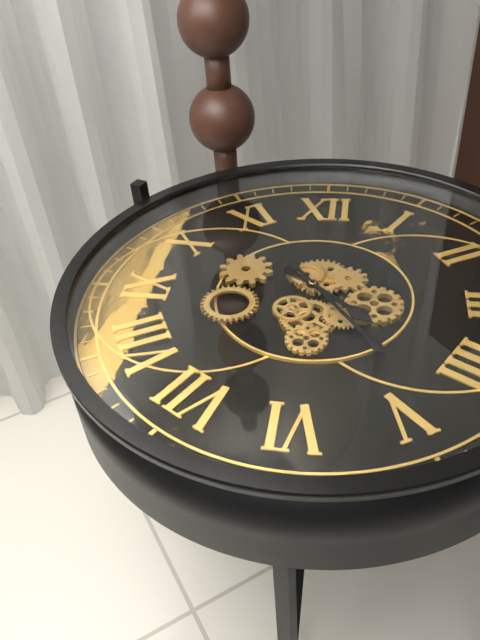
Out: h=4 m=24
